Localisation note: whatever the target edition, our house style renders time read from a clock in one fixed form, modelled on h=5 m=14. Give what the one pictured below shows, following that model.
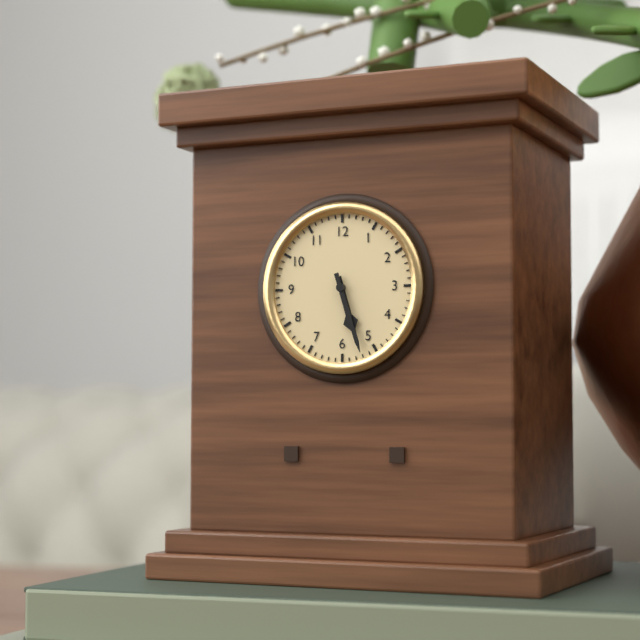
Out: h=5 m=27
